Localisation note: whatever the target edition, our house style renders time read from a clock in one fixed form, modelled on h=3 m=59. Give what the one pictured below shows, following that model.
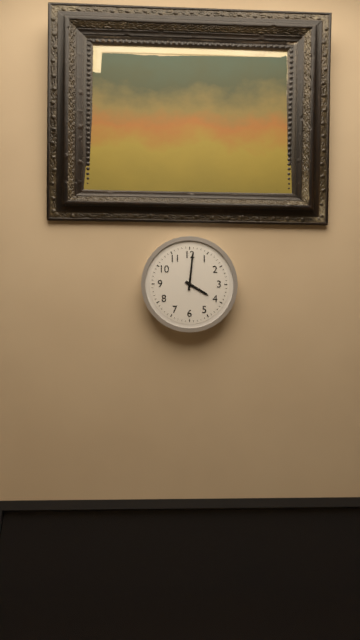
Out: h=4 m=1
